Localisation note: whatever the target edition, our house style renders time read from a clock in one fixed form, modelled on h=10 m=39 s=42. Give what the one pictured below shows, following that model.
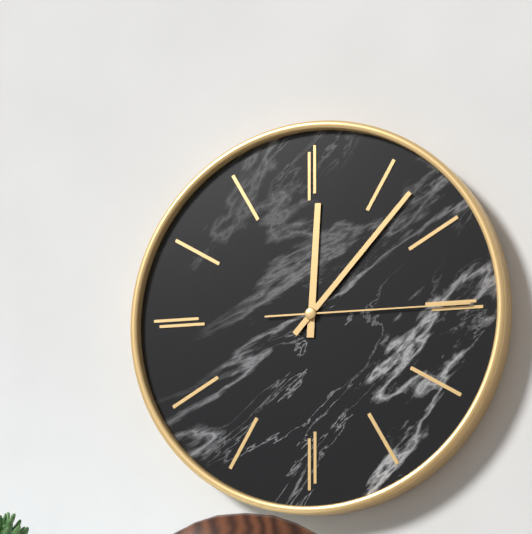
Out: h=12 m=7 s=15
